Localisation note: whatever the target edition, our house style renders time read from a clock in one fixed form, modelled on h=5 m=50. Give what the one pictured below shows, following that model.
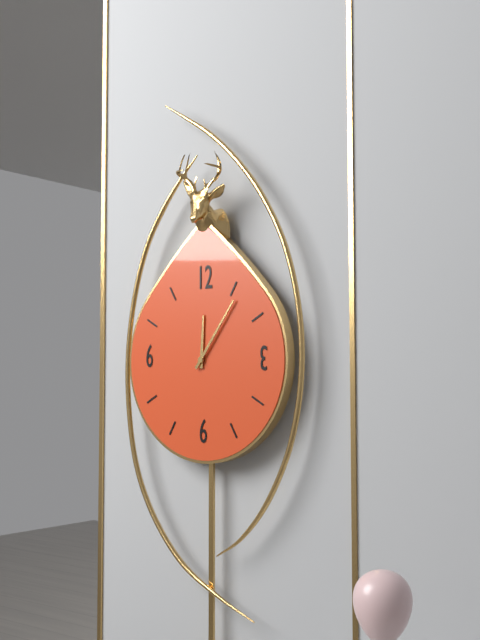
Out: h=12 m=6
